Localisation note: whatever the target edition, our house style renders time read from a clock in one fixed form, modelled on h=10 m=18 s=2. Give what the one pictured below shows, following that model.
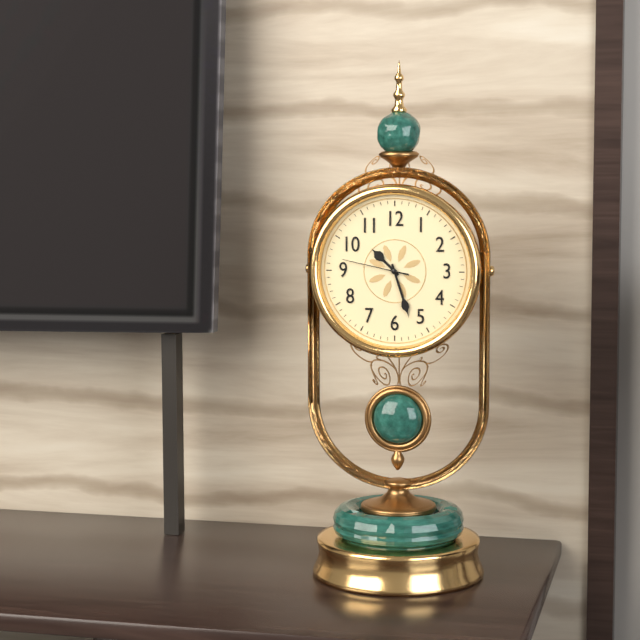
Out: h=10 m=27 s=47
